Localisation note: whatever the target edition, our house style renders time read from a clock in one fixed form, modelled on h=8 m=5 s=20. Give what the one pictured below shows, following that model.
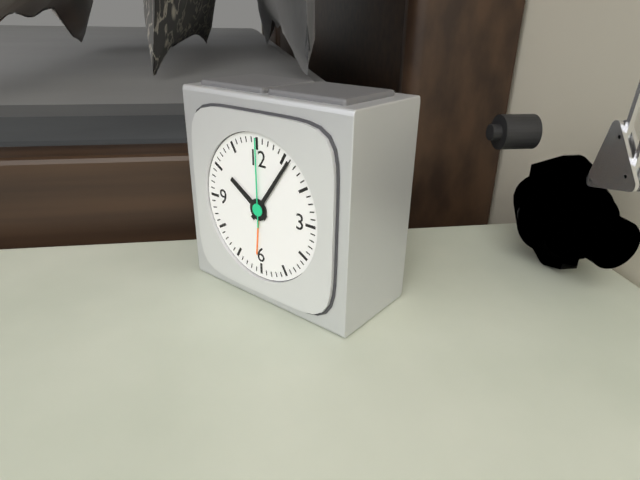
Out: h=10 m=6 s=0
